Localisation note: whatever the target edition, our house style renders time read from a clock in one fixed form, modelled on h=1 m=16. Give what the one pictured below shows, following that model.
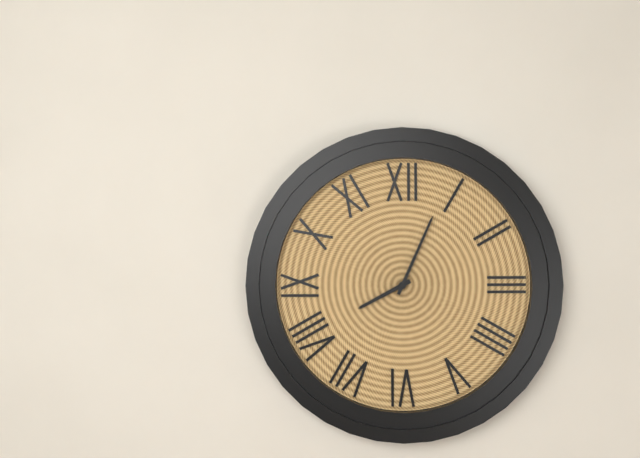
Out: h=8 m=4
